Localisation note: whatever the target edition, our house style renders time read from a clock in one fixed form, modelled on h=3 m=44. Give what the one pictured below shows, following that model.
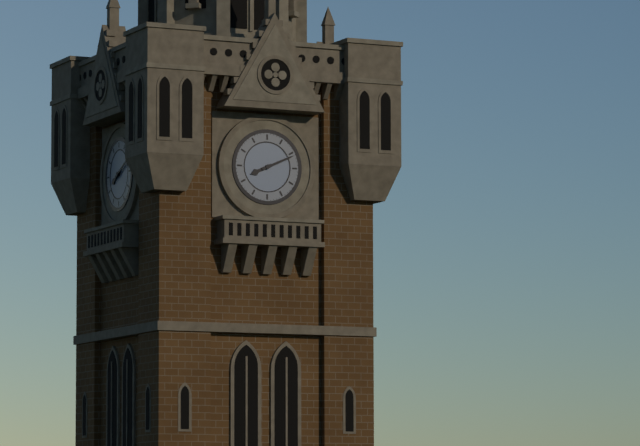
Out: h=8 m=11
